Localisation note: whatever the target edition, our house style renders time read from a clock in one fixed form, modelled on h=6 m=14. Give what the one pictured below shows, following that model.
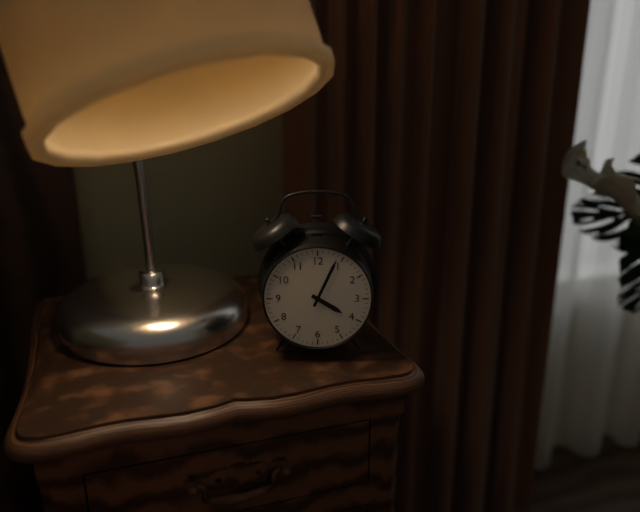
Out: h=4 m=4
